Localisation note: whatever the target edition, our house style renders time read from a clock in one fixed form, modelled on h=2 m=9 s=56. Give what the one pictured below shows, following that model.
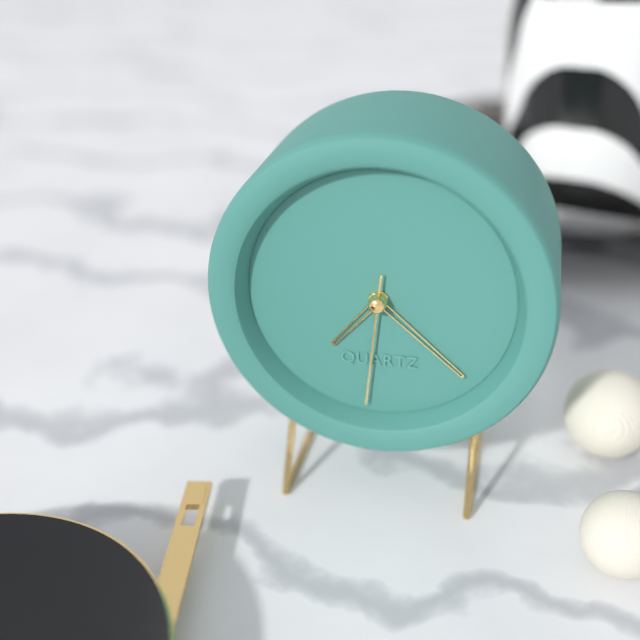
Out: h=7 m=22 s=31
